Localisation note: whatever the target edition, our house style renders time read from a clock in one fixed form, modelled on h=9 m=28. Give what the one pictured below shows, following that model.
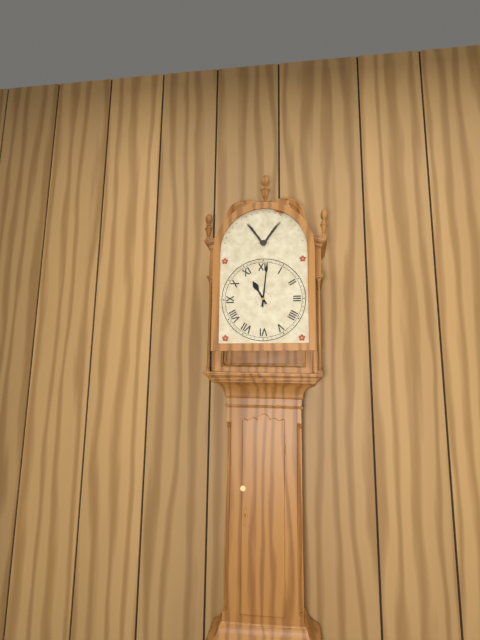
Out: h=11 m=1
